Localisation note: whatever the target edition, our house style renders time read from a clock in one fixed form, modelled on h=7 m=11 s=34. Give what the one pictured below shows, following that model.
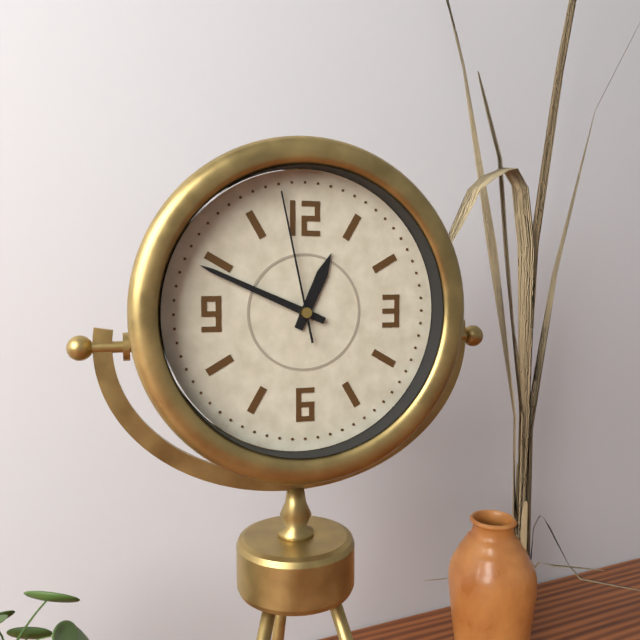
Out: h=12 m=49 s=58
